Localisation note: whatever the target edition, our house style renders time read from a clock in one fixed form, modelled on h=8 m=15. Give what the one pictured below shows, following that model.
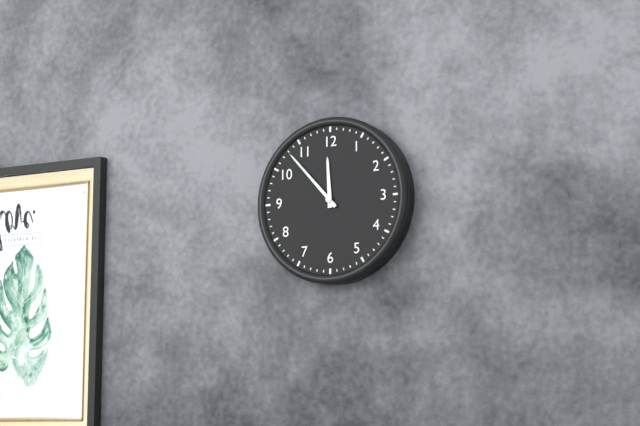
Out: h=11 m=53
